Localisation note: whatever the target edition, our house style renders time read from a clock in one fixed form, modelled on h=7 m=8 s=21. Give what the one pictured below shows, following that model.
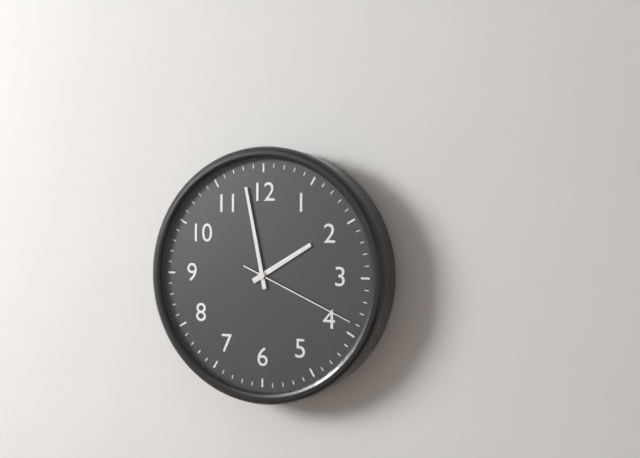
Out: h=1 m=58 s=19
